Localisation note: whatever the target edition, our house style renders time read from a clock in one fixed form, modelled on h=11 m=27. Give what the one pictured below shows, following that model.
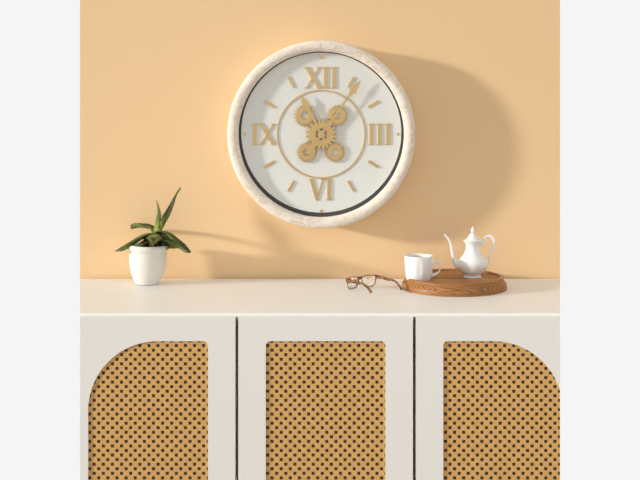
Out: h=11 m=6
